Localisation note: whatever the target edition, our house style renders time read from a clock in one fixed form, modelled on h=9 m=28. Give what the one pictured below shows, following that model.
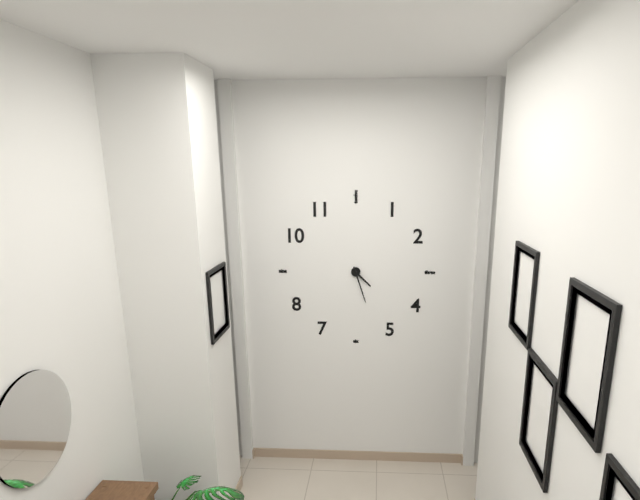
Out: h=4 m=27
